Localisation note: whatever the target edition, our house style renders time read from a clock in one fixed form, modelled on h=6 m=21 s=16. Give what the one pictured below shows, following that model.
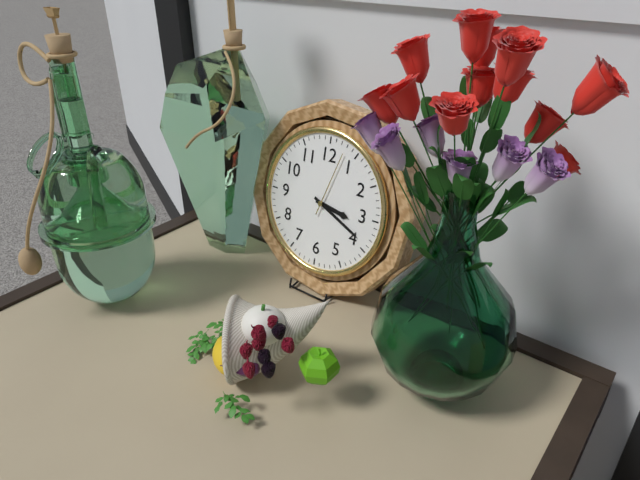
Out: h=3 m=19 s=3
